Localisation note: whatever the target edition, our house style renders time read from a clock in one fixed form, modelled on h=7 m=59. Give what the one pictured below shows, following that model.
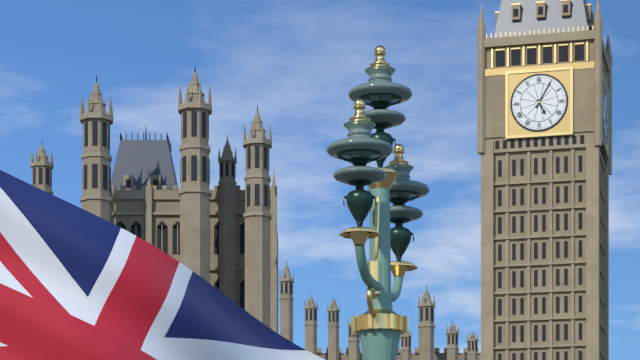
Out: h=5 m=5
